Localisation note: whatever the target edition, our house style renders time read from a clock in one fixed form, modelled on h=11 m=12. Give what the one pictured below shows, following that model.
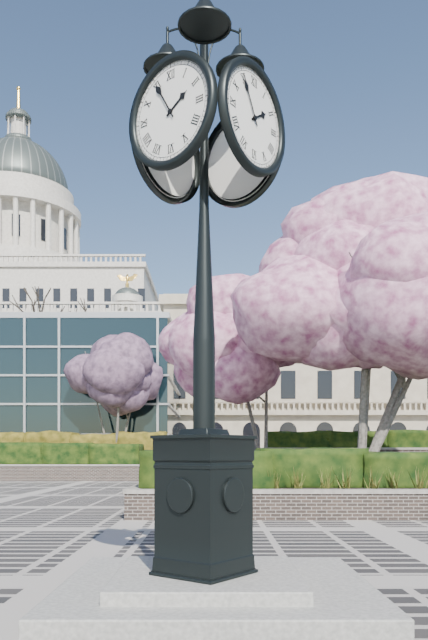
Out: h=1 m=55
